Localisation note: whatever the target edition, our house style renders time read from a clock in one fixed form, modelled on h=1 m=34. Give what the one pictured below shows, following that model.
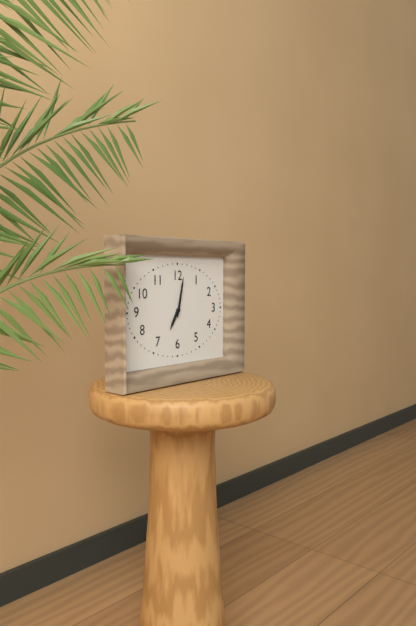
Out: h=7 m=2
